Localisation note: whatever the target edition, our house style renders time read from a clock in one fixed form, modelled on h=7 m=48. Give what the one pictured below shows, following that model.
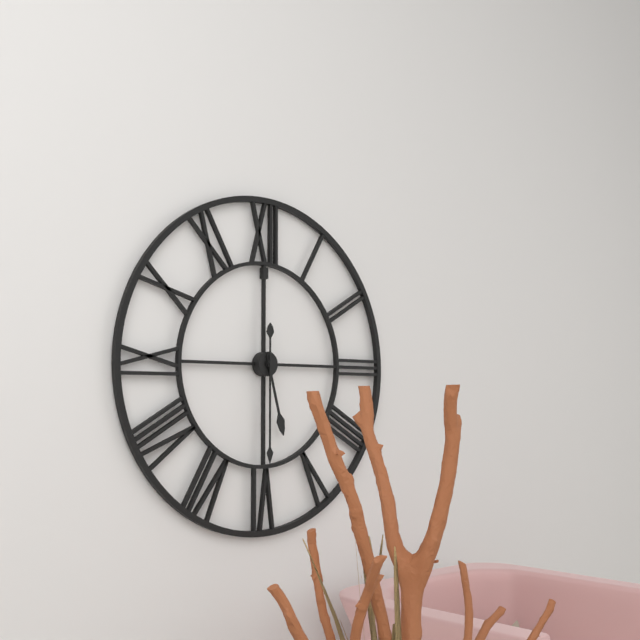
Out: h=5 m=30
